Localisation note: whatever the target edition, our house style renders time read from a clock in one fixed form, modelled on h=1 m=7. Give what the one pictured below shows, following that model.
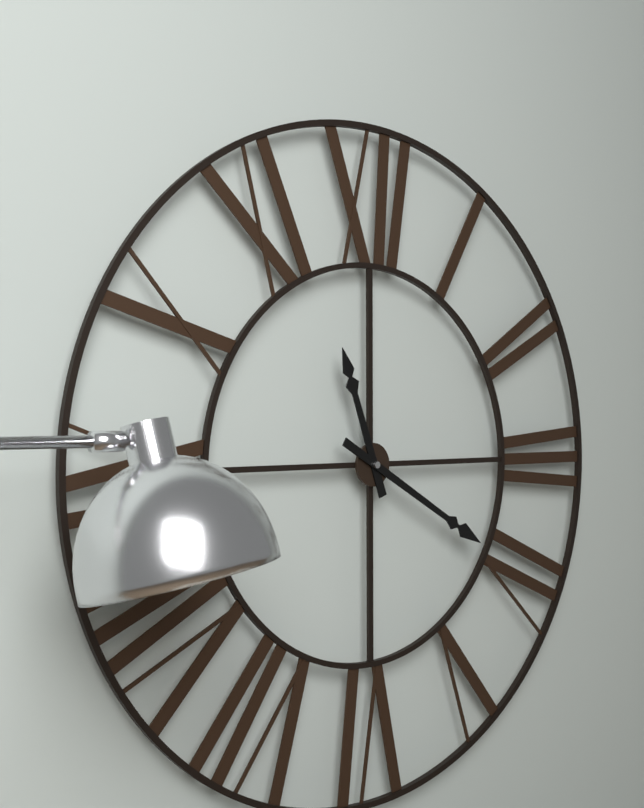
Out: h=11 m=20
